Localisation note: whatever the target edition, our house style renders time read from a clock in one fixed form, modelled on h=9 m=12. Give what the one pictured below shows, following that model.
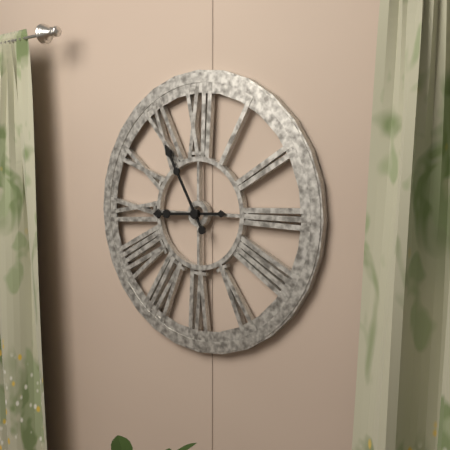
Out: h=8 m=55
